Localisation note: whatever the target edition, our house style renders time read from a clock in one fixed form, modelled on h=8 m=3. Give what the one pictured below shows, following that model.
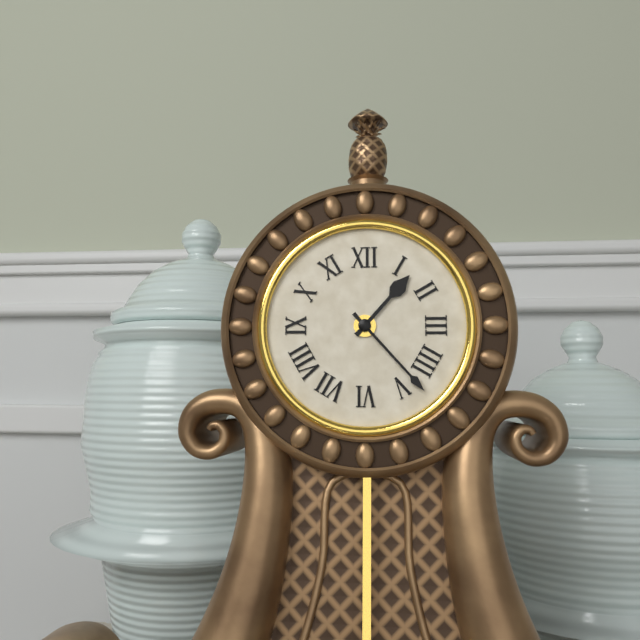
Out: h=1 m=23
